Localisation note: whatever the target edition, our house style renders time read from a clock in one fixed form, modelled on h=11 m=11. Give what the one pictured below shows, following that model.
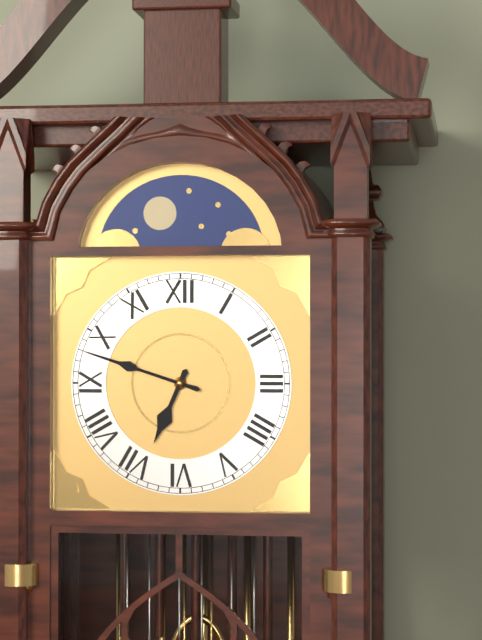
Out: h=6 m=48
